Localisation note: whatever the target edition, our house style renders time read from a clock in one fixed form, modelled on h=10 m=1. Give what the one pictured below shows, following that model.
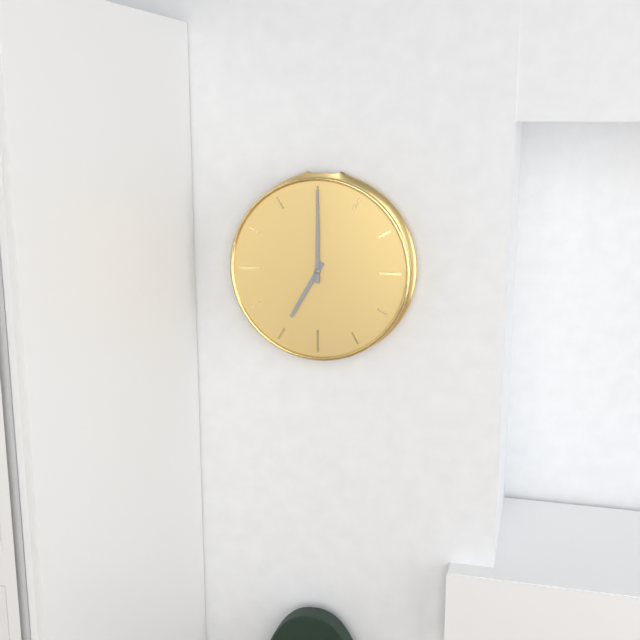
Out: h=7 m=0
